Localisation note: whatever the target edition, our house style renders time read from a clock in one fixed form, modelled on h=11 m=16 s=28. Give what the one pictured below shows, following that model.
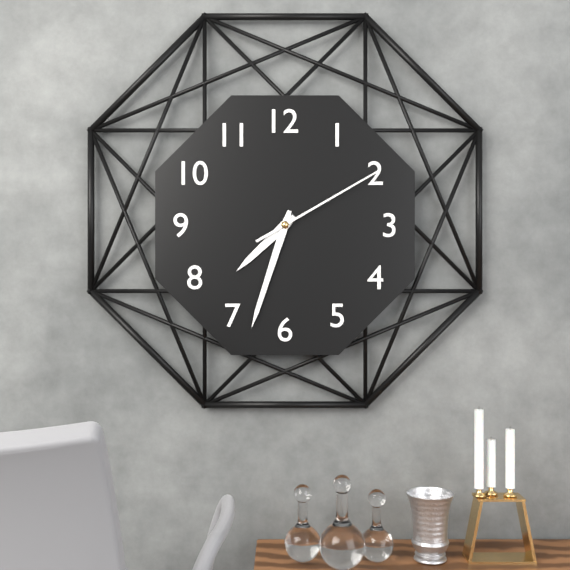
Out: h=7 m=33 s=10
